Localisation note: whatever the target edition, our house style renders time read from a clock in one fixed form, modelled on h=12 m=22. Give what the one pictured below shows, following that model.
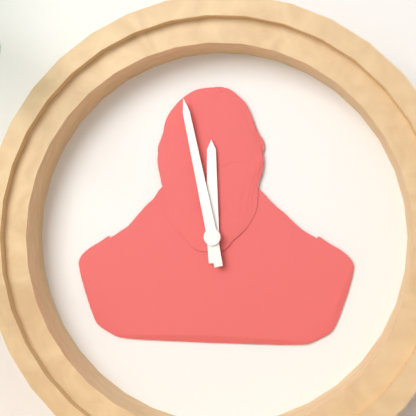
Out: h=11 m=58
